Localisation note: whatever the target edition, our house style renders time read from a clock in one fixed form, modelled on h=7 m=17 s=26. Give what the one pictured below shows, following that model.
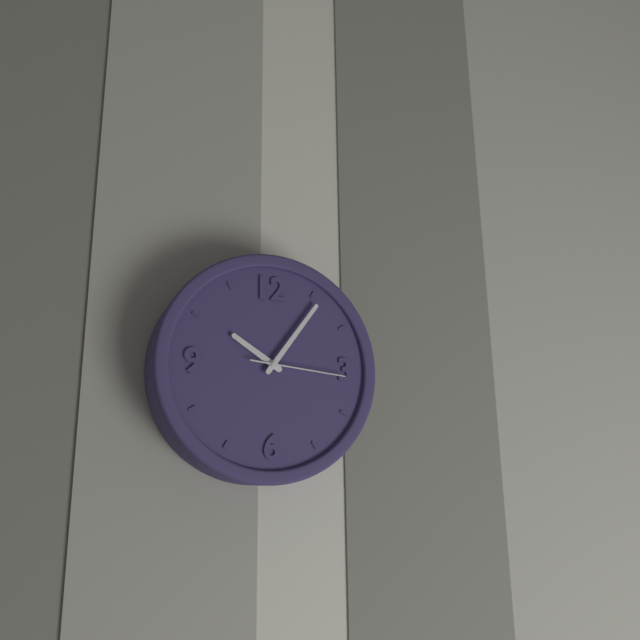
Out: h=10 m=6 s=16
